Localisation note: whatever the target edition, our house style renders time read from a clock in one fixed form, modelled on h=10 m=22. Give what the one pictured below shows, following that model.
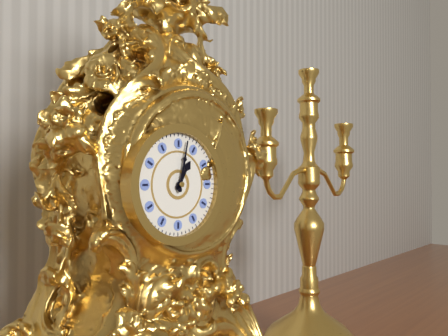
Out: h=1 m=2
